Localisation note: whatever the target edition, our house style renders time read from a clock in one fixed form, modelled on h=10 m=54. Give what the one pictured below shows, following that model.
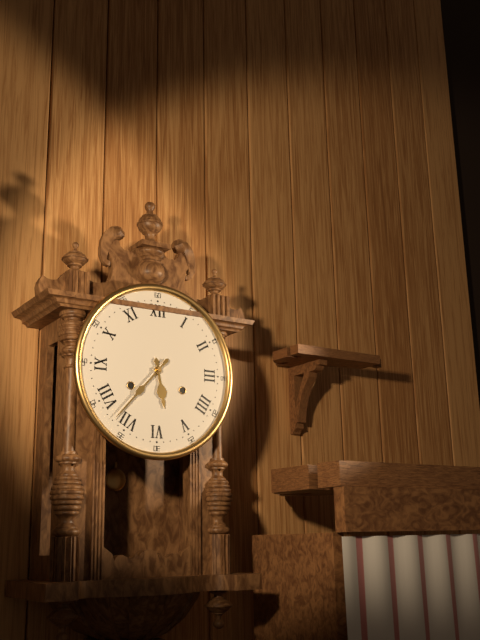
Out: h=5 m=37
